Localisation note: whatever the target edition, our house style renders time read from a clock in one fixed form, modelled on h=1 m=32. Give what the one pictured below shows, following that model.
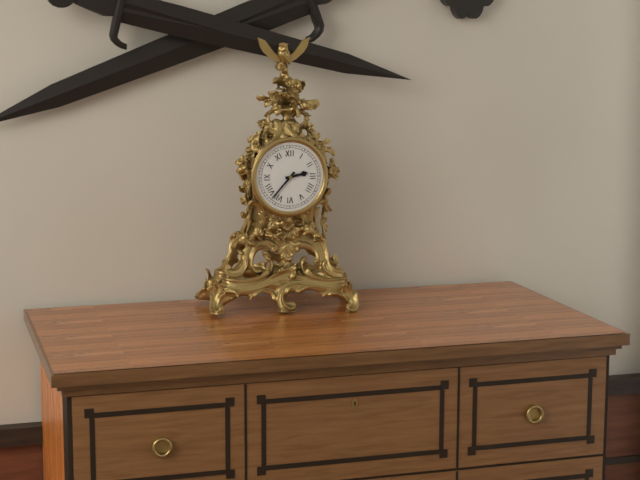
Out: h=2 m=37
